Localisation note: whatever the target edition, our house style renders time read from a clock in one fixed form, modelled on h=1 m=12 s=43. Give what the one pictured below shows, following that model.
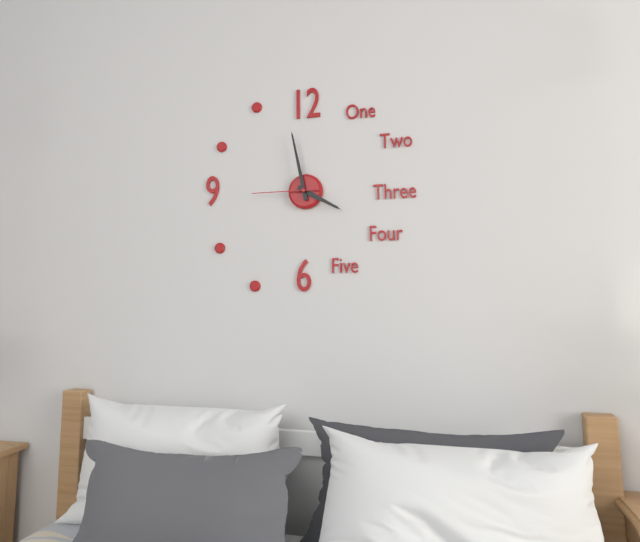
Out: h=3 m=58 s=45
